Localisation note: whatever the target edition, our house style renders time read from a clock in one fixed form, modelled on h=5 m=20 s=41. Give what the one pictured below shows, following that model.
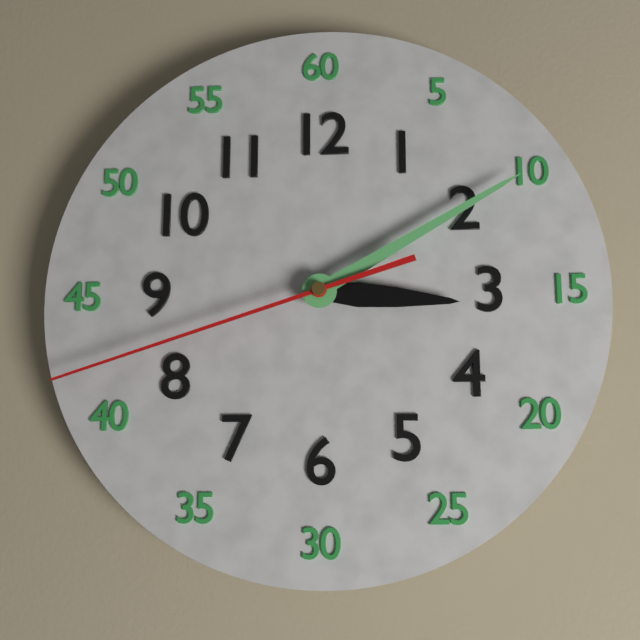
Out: h=3 m=10 s=42
